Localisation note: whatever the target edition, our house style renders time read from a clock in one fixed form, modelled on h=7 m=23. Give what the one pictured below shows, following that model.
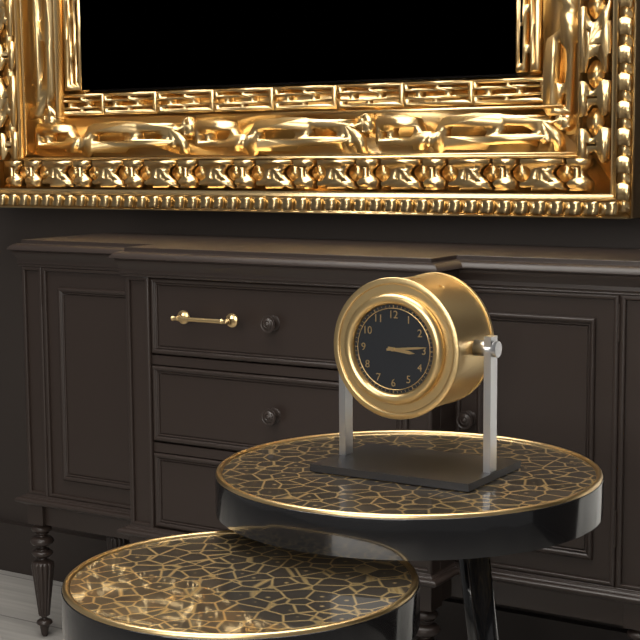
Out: h=3 m=14
